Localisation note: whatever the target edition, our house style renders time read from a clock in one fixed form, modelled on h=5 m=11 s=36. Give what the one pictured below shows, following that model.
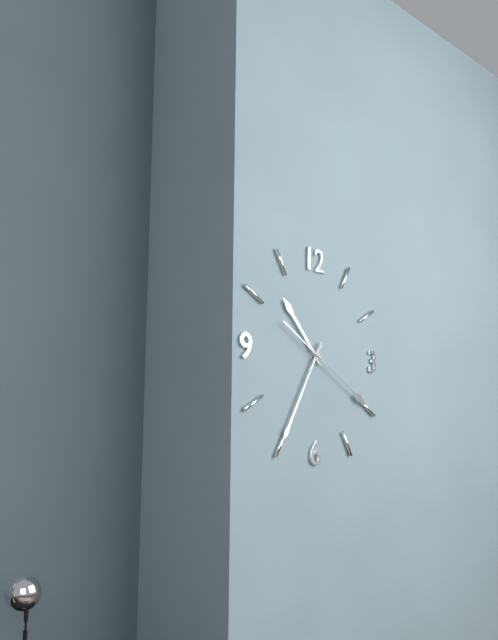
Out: h=10 m=35 s=20
